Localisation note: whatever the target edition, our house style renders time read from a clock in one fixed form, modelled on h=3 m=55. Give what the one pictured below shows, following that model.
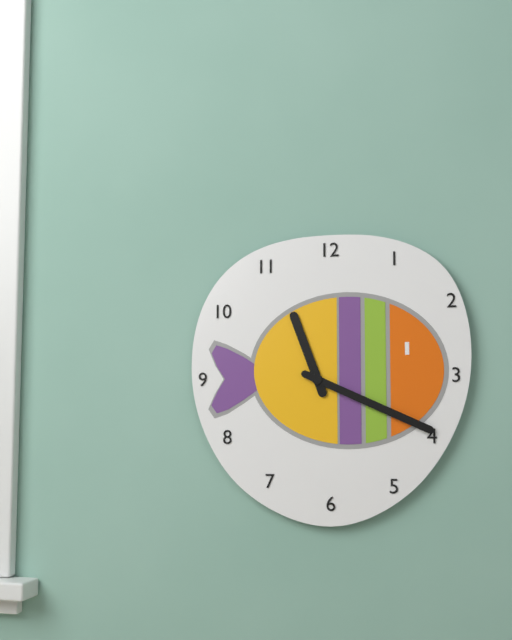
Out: h=11 m=19
